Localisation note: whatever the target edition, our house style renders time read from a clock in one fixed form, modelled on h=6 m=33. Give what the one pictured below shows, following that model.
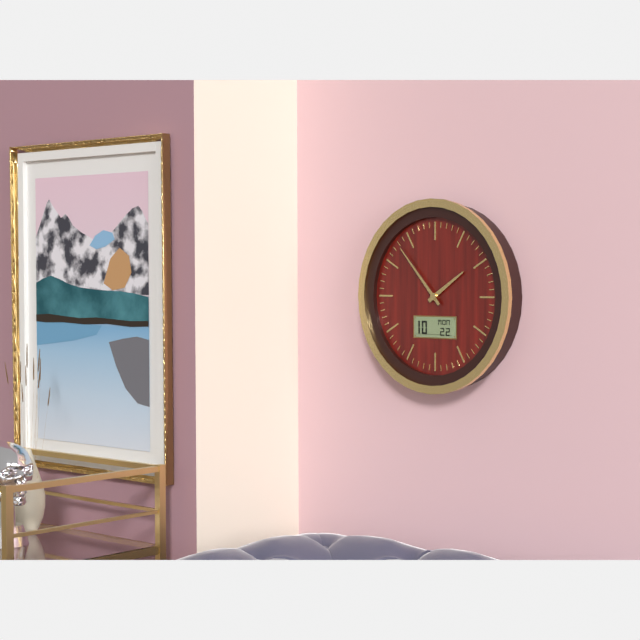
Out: h=1 m=53
